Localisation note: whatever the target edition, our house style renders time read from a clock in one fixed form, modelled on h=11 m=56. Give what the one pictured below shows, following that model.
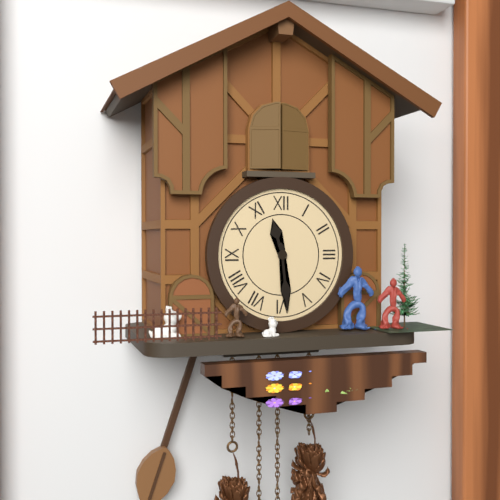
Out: h=11 m=29
